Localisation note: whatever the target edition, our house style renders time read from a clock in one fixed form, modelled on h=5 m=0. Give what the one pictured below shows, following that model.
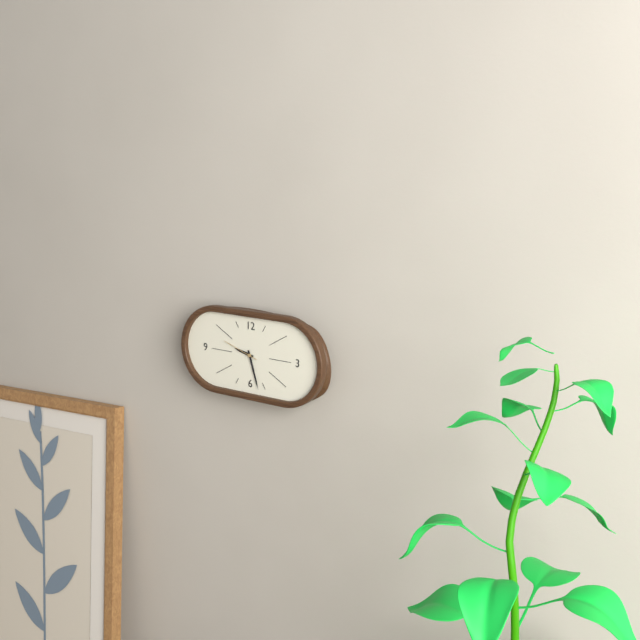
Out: h=9 m=27
